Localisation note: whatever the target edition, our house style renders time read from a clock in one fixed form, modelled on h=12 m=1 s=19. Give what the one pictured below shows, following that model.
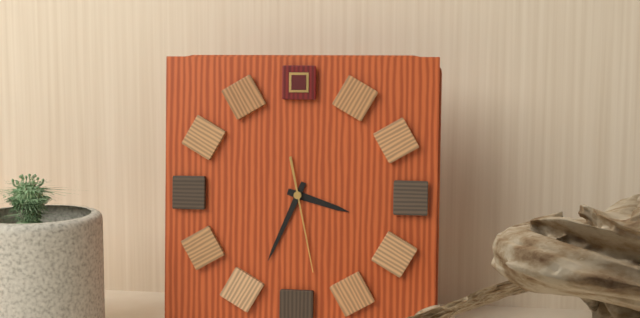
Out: h=3 m=34 s=28
